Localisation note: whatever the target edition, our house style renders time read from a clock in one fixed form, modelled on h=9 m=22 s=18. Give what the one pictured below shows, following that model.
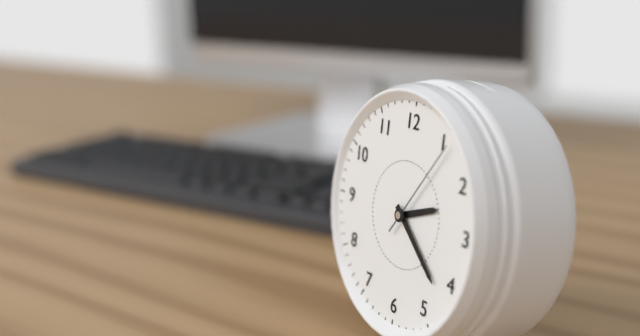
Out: h=2 m=22 s=6
